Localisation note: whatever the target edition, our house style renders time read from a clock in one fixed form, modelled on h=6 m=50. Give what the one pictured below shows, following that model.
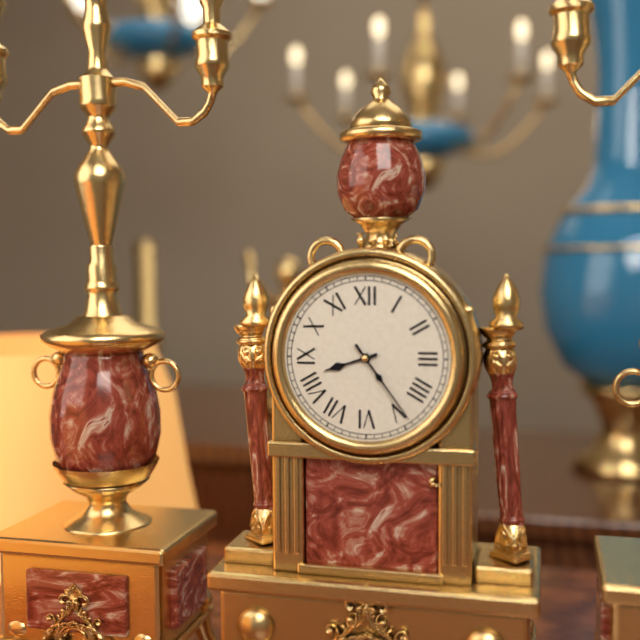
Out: h=8 m=24
